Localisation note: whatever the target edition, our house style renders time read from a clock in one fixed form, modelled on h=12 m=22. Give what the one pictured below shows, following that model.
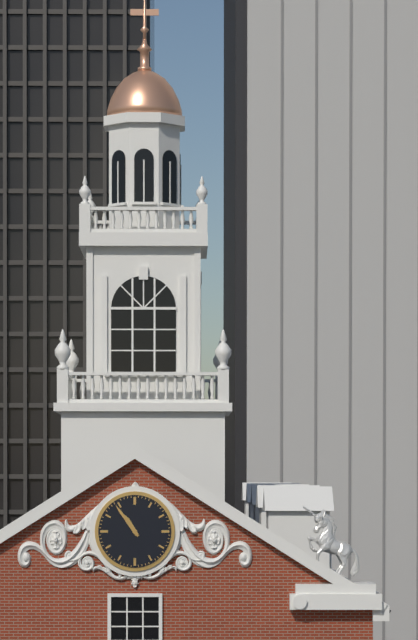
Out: h=10 m=54
